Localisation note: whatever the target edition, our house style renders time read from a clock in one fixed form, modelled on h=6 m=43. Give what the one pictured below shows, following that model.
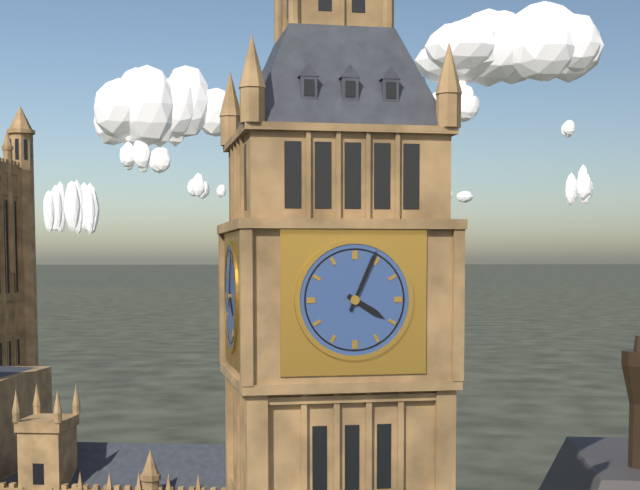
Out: h=4 m=4
